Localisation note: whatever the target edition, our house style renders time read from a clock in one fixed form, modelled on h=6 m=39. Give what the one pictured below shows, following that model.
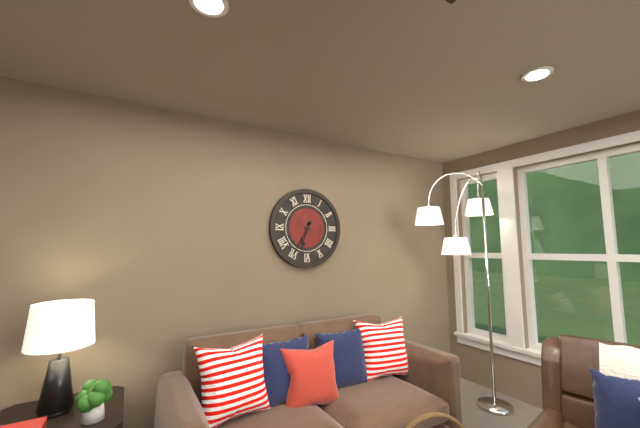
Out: h=6 m=35
